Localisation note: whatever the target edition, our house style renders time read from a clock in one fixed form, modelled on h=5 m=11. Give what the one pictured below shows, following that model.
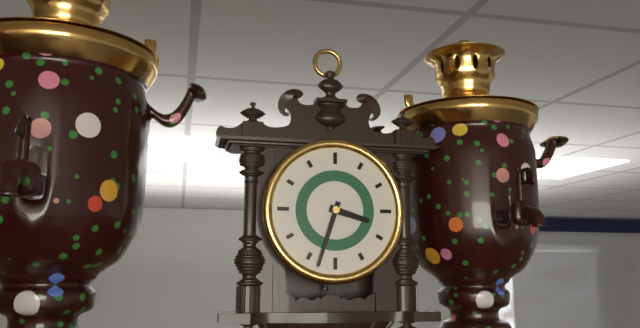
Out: h=3 m=33
